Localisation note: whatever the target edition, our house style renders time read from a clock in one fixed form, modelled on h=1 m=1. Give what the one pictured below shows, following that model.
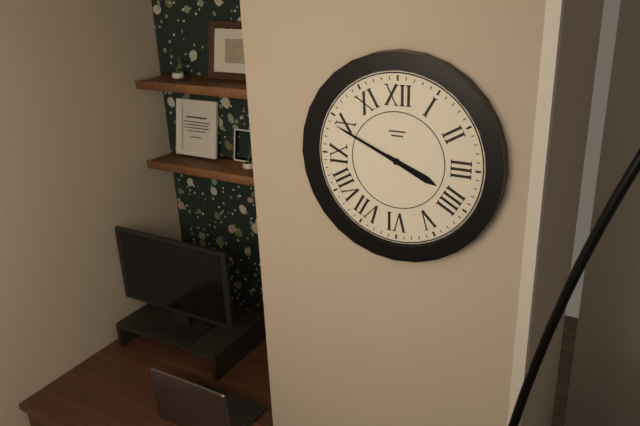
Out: h=3 m=49
